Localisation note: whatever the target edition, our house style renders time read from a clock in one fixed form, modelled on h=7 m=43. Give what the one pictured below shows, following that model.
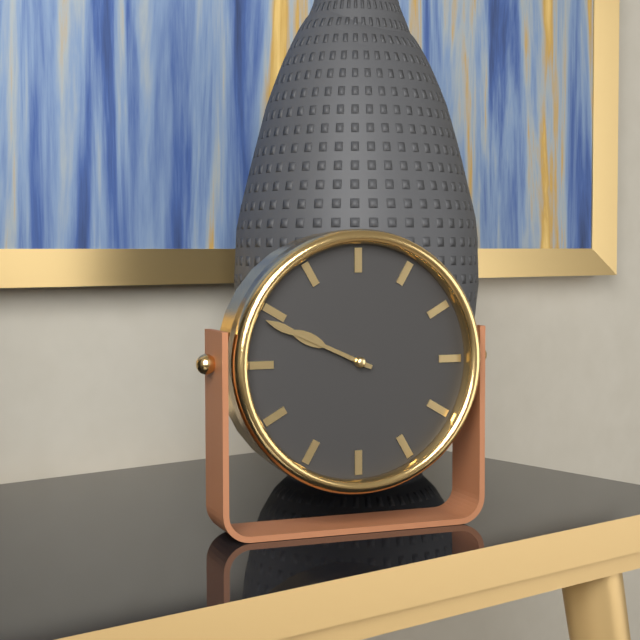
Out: h=9 m=49
